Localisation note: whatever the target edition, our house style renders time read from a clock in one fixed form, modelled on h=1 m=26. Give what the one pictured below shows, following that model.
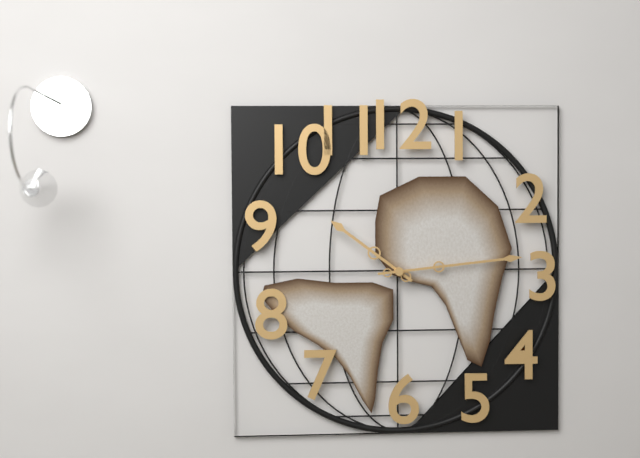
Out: h=10 m=14
